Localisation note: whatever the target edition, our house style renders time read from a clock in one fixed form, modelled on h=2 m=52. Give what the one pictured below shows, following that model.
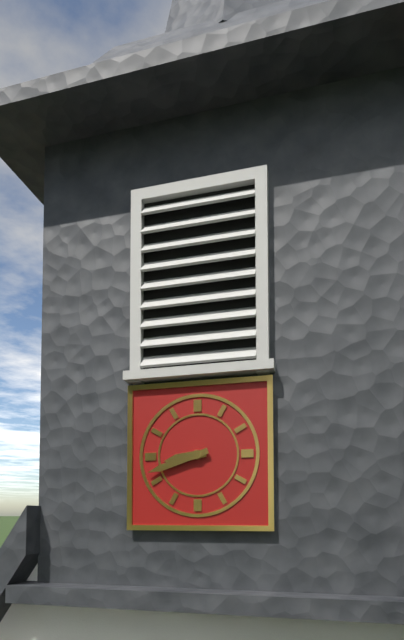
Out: h=8 m=42
